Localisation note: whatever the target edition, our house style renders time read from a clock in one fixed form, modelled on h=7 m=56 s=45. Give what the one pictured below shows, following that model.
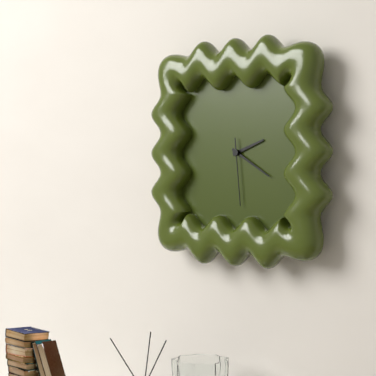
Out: h=2 m=20 s=29
